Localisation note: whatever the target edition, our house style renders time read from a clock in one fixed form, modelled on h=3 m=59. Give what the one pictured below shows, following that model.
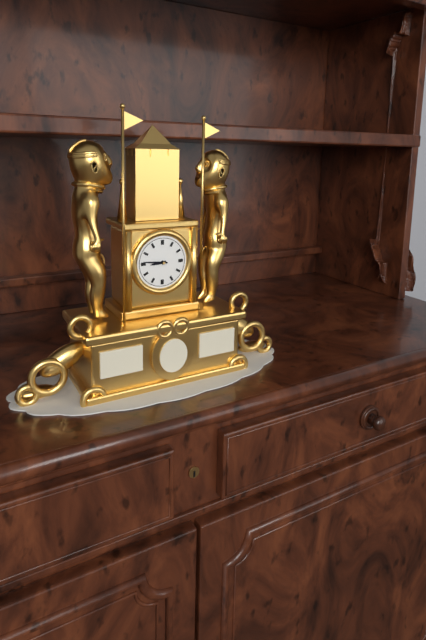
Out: h=8 m=46
